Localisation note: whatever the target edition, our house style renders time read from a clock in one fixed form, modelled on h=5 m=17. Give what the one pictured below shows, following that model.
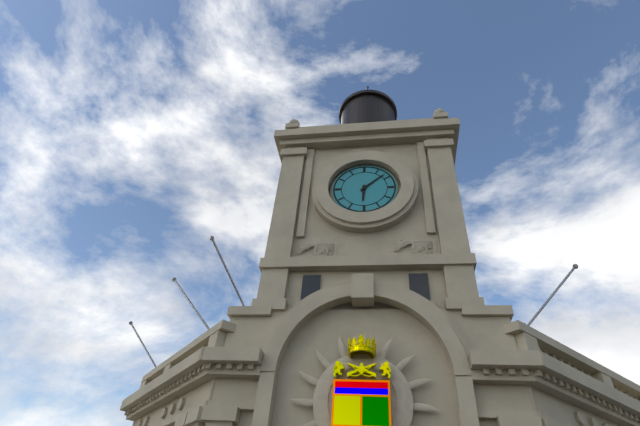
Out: h=6 m=8
